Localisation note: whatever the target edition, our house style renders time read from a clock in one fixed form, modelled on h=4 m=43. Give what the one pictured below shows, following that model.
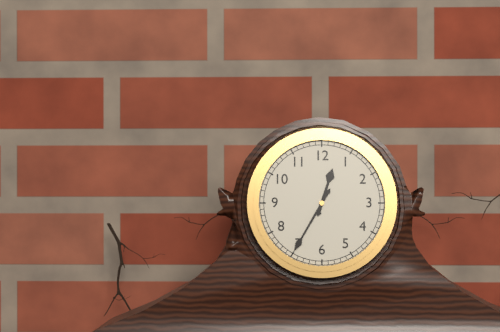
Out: h=12 m=35
